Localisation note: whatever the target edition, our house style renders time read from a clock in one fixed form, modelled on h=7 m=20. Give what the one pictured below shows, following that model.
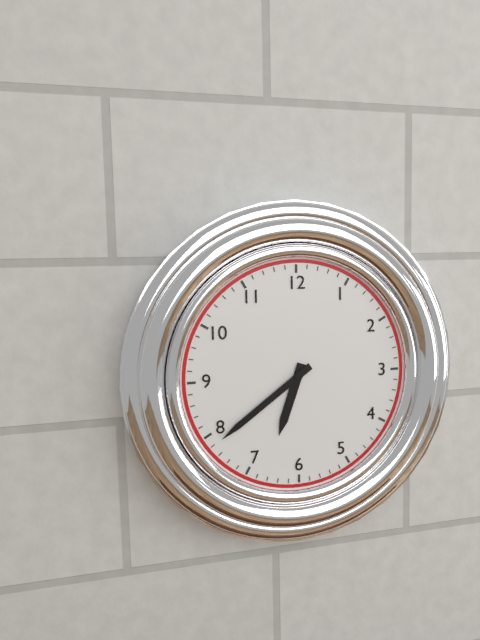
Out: h=6 m=39
